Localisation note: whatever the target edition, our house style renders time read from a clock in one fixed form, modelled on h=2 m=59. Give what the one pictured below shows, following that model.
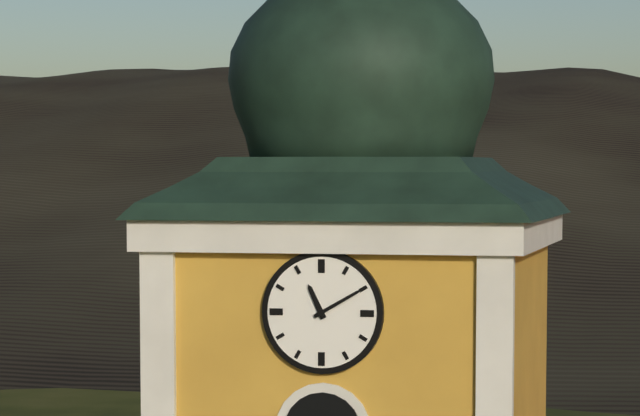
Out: h=11 m=10
